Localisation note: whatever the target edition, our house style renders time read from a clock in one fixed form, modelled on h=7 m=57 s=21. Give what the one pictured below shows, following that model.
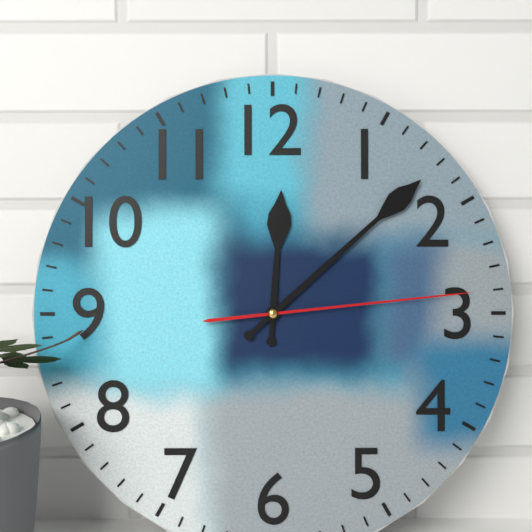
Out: h=12 m=8 s=14
